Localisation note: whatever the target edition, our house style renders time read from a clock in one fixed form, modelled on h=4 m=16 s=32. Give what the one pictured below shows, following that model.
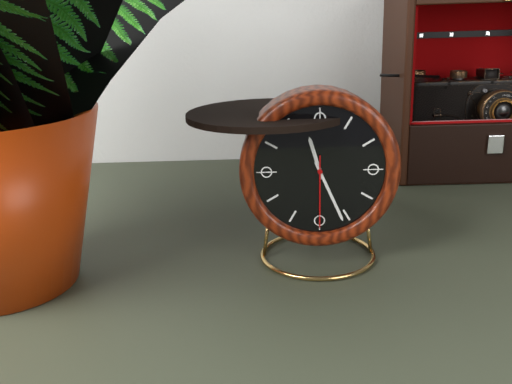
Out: h=11 m=26 s=30
